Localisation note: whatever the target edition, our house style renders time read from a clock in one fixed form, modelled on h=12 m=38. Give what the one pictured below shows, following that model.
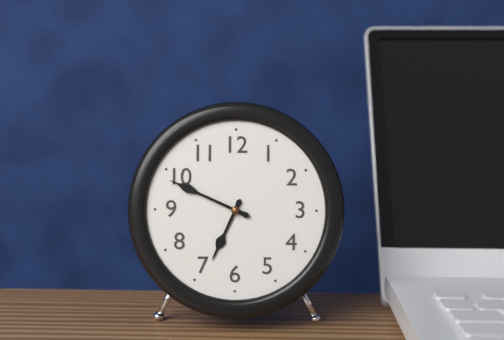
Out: h=6 m=49
